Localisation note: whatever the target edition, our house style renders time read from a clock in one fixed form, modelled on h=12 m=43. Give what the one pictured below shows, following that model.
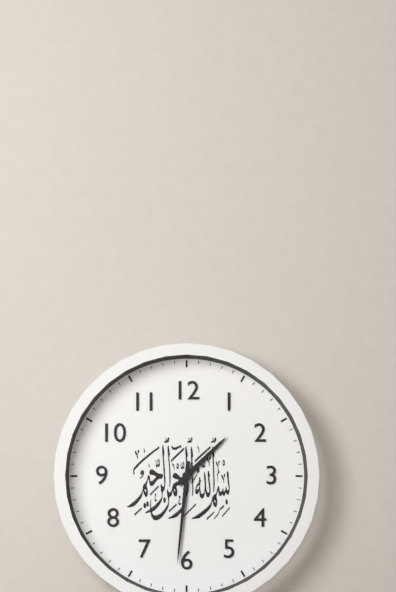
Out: h=1 m=31
